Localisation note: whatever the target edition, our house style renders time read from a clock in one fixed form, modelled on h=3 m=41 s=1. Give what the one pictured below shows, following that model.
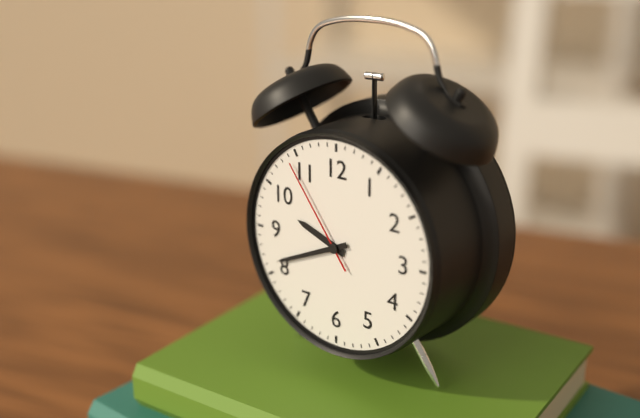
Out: h=9 m=41 s=54
